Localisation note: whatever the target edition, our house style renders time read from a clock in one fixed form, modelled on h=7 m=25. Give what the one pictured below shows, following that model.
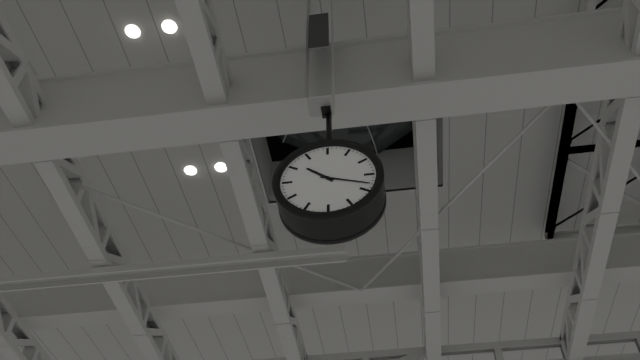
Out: h=10 m=18
